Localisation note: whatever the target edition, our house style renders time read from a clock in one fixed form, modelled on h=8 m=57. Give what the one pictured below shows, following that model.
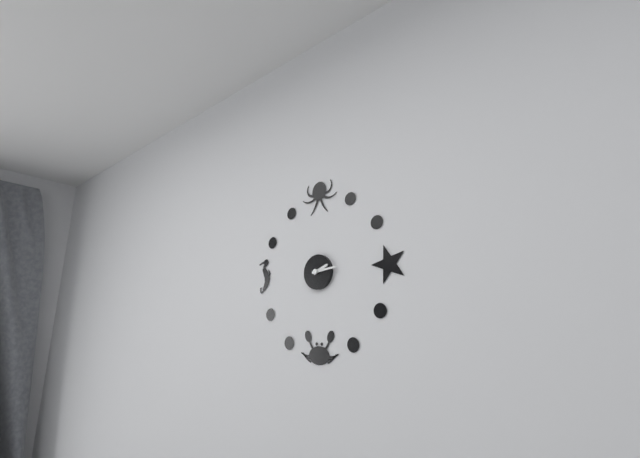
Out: h=2 m=14
